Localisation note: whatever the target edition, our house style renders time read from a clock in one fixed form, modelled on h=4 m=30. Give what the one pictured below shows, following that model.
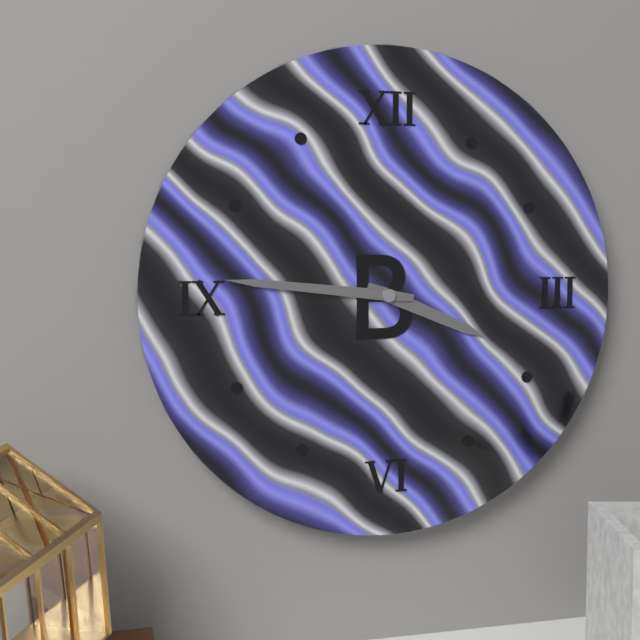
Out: h=3 m=46
